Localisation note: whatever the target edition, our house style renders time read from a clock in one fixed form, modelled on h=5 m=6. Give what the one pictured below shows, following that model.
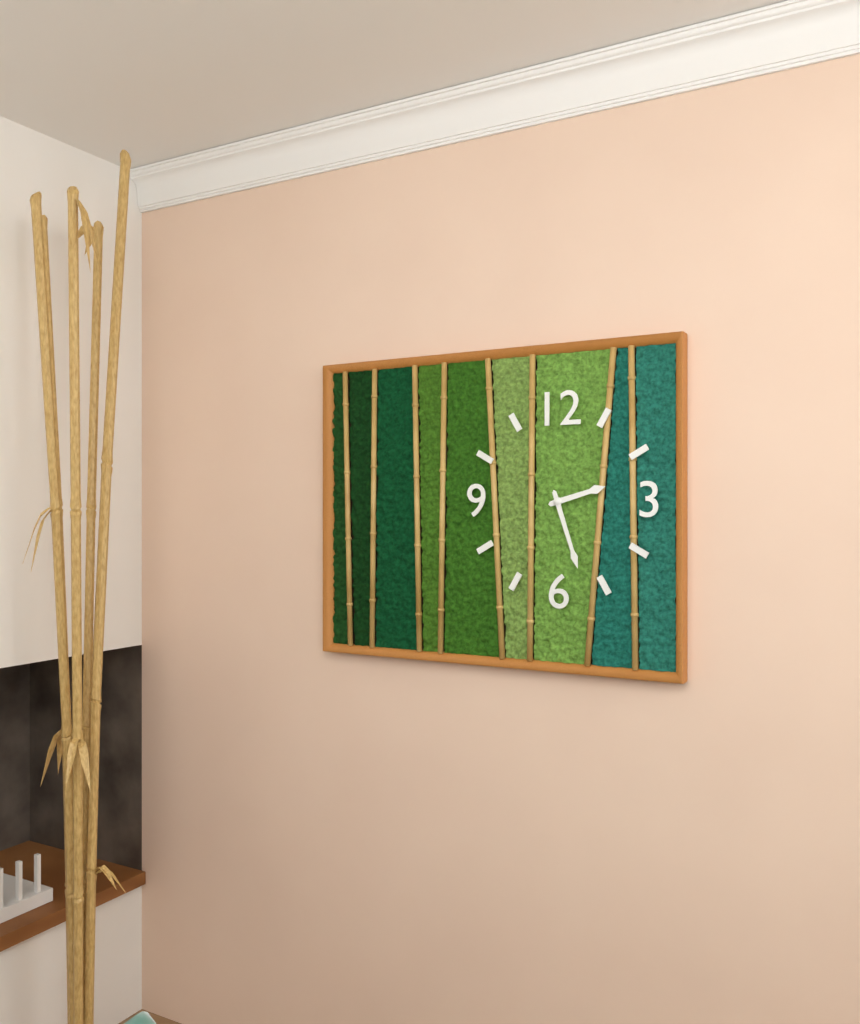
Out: h=2 m=27
